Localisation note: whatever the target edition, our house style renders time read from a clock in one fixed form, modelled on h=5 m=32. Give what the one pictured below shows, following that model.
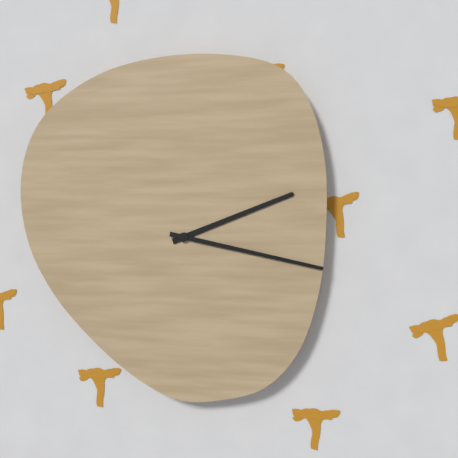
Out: h=2 m=17
